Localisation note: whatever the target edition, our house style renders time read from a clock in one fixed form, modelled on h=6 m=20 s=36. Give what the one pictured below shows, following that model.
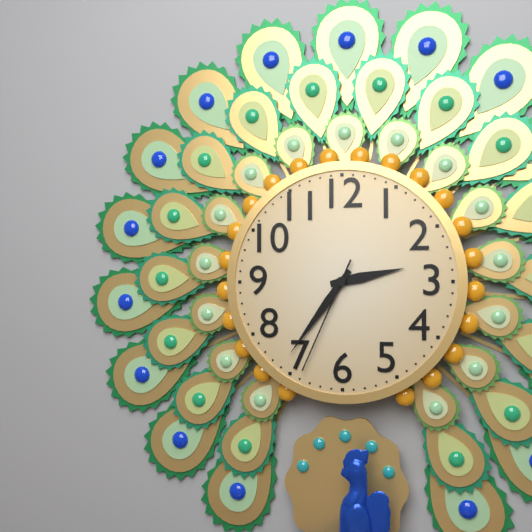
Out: h=2 m=36 s=34
